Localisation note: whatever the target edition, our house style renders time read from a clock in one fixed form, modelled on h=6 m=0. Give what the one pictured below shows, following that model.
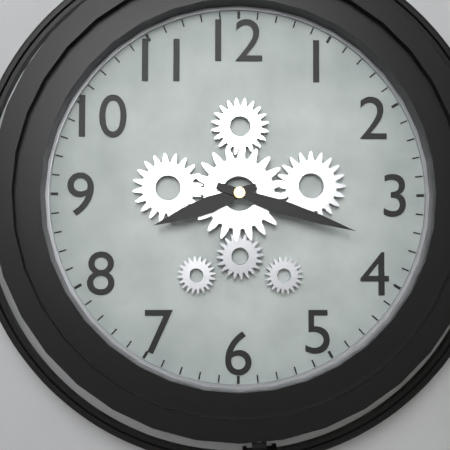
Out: h=8 m=18
